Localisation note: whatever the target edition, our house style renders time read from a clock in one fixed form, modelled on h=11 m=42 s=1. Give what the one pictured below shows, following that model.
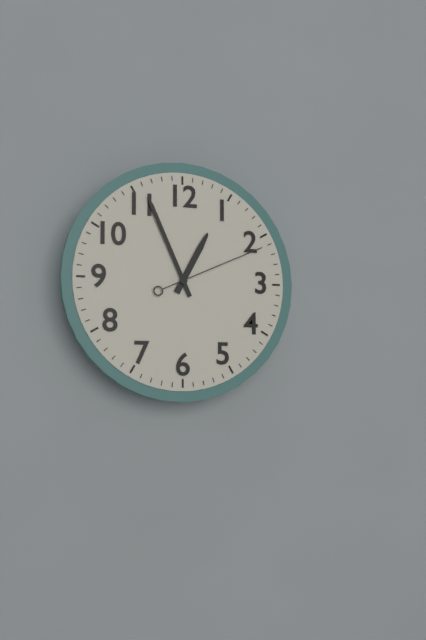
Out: h=12 m=56 s=11
